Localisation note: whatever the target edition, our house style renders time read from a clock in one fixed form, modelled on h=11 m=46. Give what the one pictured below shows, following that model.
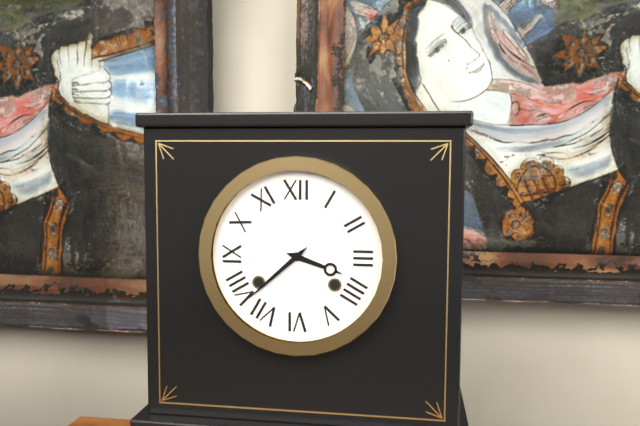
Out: h=3 m=38
